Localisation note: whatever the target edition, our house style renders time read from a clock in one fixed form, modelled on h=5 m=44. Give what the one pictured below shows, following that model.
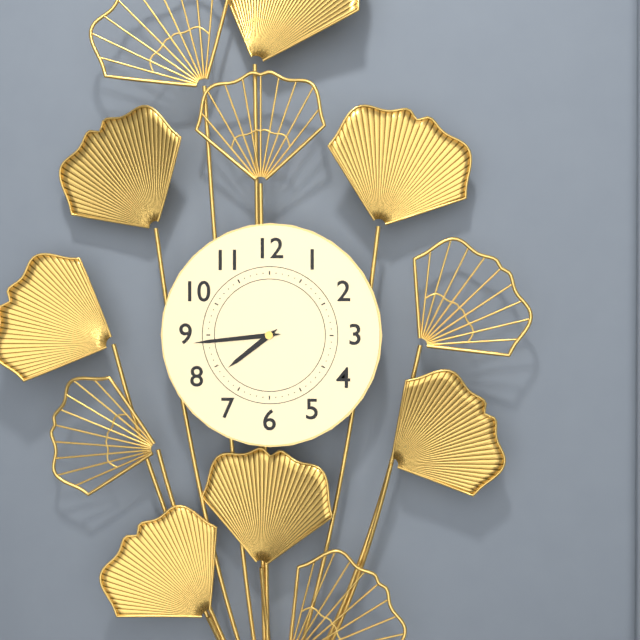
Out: h=7 m=44
